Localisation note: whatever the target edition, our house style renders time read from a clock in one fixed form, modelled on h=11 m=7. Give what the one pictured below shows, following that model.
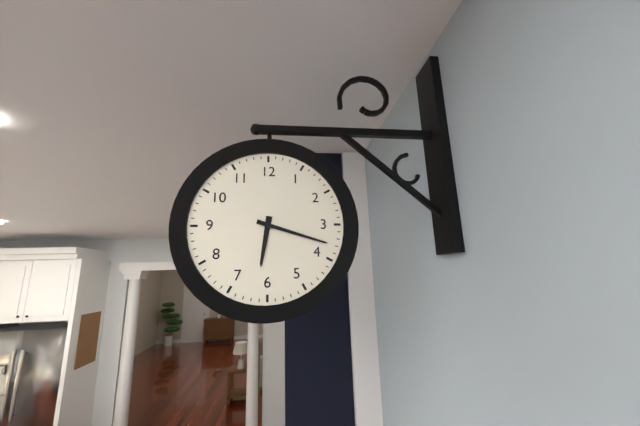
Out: h=6 m=18
